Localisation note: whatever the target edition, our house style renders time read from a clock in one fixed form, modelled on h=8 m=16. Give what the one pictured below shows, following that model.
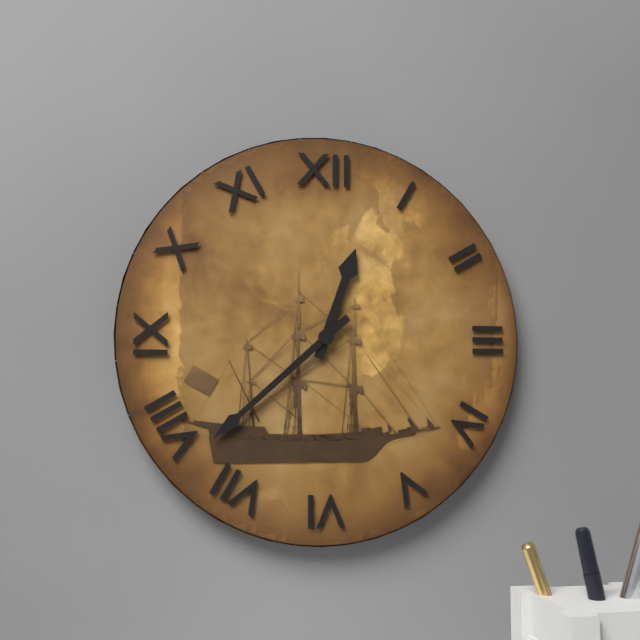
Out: h=12 m=38
